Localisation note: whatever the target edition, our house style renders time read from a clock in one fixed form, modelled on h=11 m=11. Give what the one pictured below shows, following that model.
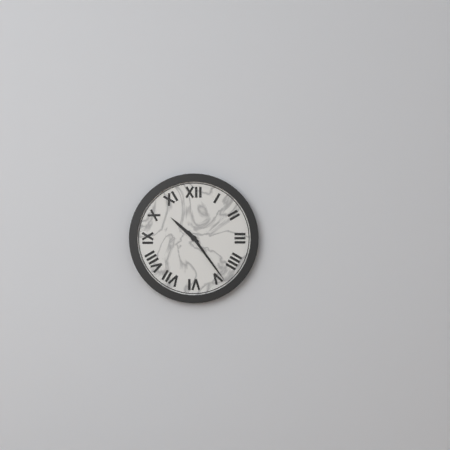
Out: h=10 m=24
